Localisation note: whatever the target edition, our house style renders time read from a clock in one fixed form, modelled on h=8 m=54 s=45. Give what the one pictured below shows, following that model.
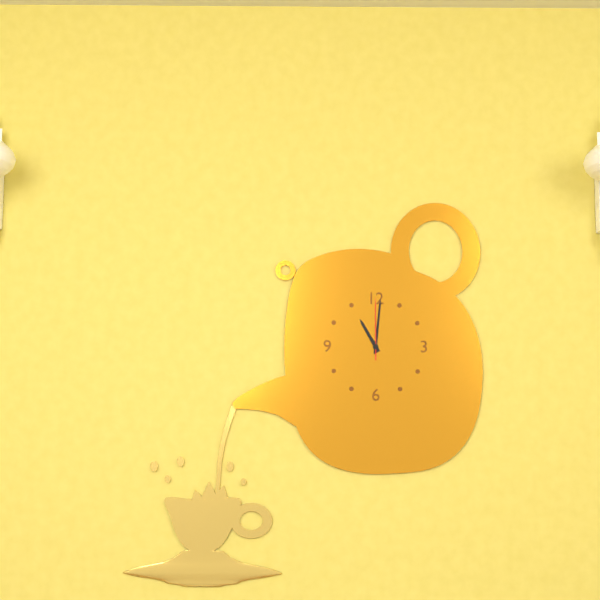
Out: h=11 m=1 s=0
